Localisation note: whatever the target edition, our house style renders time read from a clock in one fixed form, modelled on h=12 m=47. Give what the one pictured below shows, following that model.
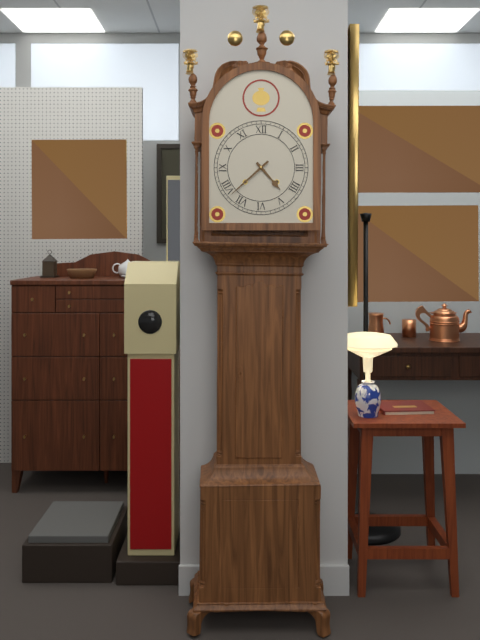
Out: h=4 m=38
